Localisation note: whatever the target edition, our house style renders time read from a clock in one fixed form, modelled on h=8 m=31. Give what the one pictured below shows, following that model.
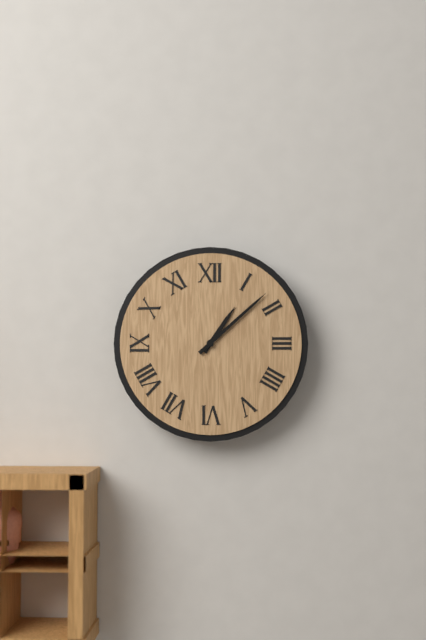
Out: h=1 m=8
